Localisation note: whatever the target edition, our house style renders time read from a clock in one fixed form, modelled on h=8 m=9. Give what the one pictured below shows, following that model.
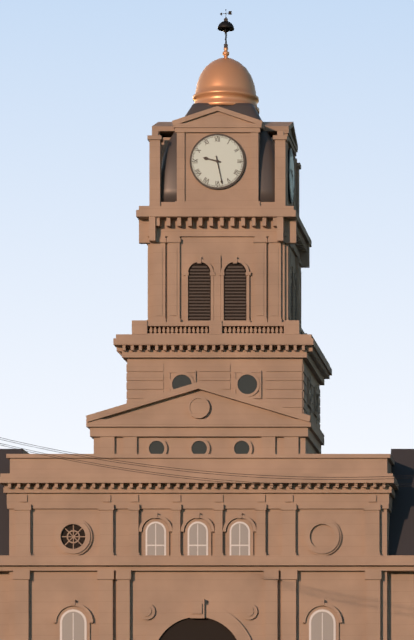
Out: h=9 m=28
